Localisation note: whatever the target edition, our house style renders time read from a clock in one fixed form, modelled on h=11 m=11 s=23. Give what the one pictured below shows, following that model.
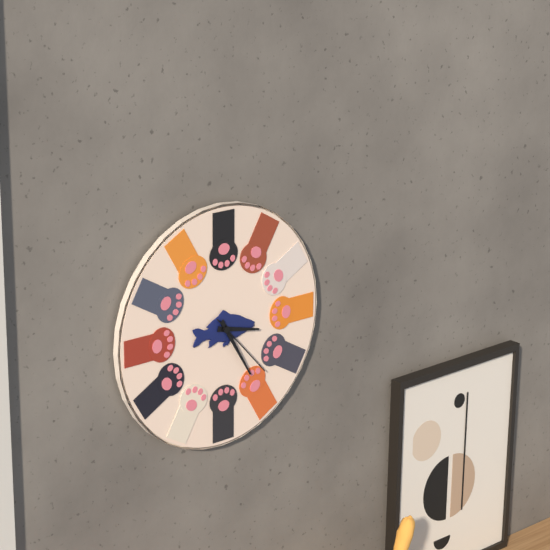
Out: h=3 m=25 s=23
